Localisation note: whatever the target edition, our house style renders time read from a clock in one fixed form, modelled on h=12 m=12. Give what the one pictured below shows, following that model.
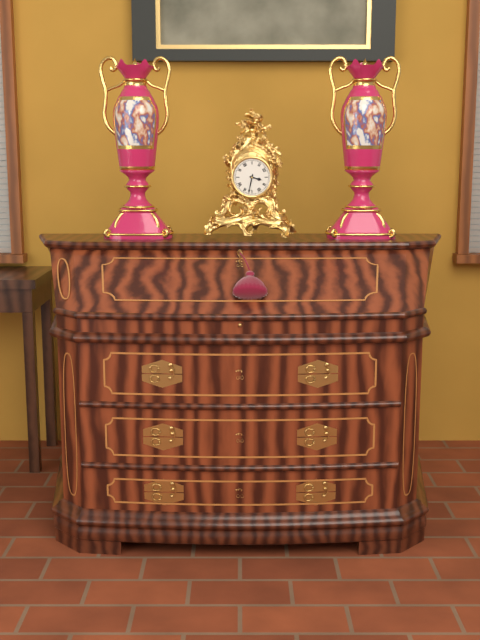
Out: h=3 m=32
